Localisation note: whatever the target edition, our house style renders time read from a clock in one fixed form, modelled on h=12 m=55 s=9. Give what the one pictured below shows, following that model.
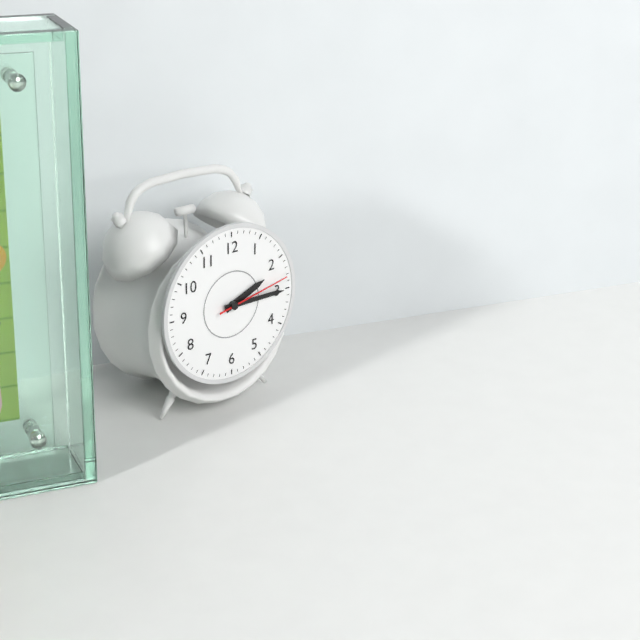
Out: h=2 m=15 s=13
